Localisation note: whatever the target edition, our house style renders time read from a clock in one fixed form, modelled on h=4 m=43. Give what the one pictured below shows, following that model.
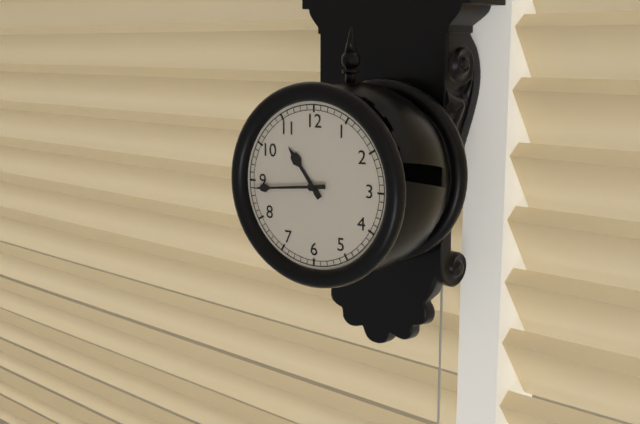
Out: h=10 m=44
